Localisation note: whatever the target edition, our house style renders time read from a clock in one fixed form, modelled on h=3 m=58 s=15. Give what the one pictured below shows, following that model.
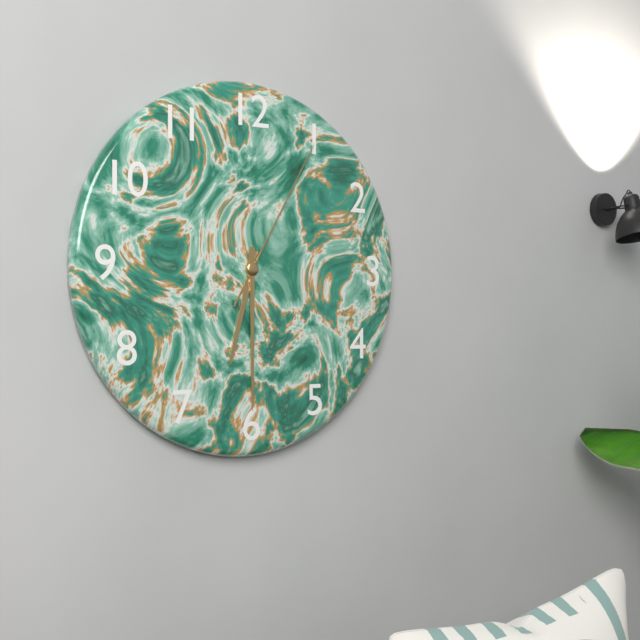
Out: h=6 m=30 s=5
